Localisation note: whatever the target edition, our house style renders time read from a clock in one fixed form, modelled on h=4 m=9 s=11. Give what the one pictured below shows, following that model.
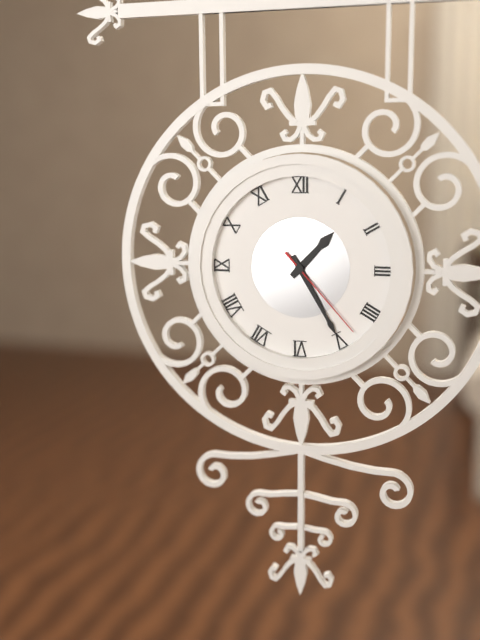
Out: h=1 m=25 s=23
